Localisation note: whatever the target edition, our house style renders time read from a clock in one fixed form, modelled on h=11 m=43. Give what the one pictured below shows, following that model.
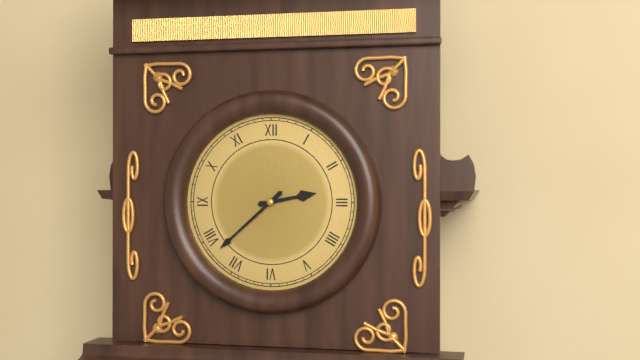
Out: h=2 m=38
